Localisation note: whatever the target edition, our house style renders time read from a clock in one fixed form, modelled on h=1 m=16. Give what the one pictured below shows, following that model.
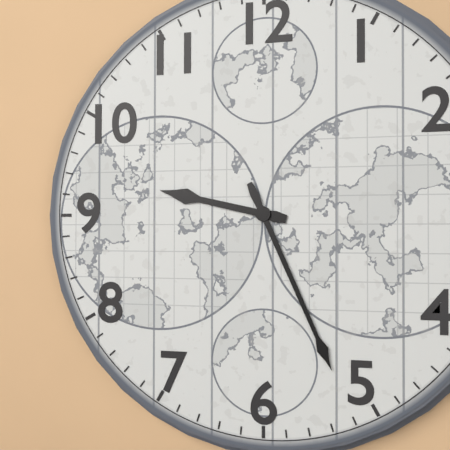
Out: h=9 m=26
